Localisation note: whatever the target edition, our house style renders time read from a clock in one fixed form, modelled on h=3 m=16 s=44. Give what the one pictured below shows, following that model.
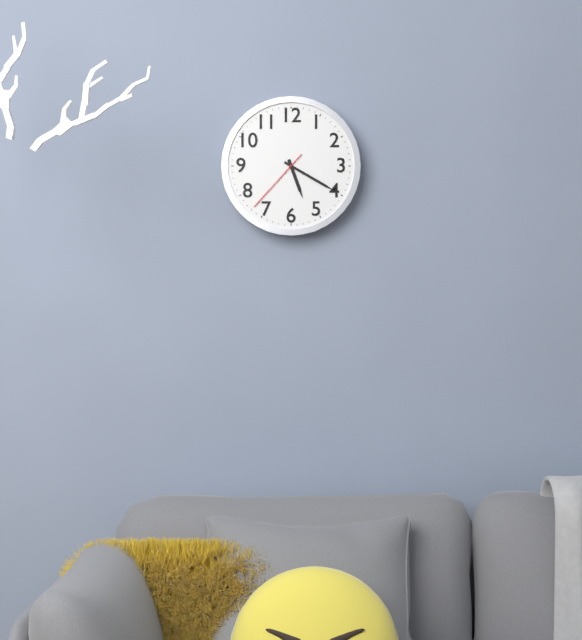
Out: h=5 m=20 s=37
